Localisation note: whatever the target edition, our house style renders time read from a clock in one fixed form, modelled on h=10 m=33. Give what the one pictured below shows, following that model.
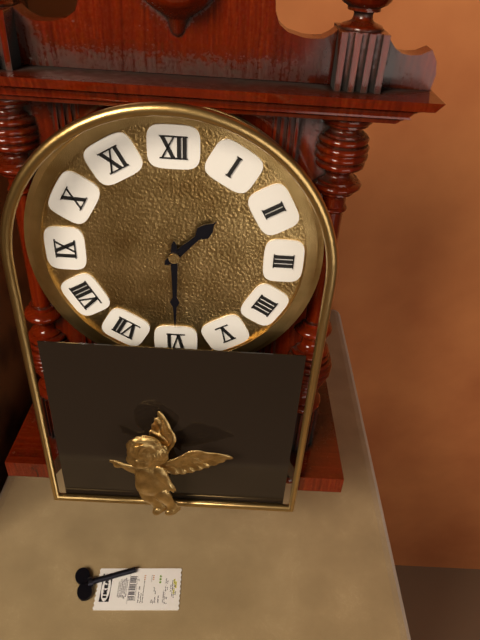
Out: h=1 m=30
